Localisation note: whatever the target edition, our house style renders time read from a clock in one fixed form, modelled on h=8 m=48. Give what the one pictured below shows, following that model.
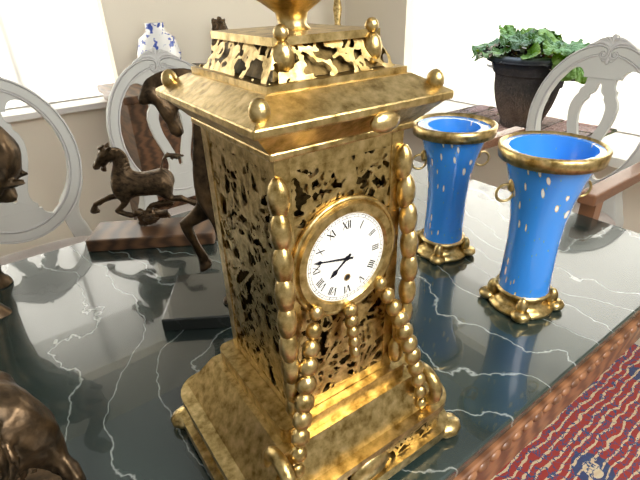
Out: h=7 m=47
